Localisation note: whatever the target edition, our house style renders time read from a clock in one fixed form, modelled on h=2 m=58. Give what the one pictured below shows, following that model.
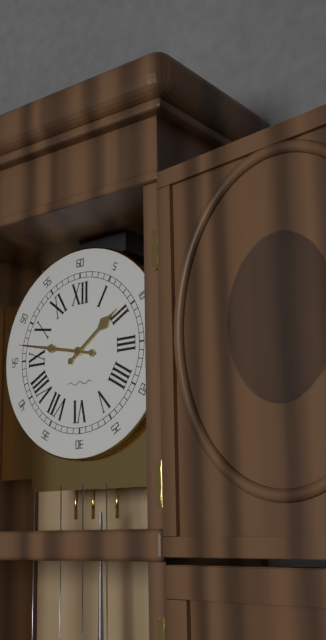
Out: h=1 m=47
